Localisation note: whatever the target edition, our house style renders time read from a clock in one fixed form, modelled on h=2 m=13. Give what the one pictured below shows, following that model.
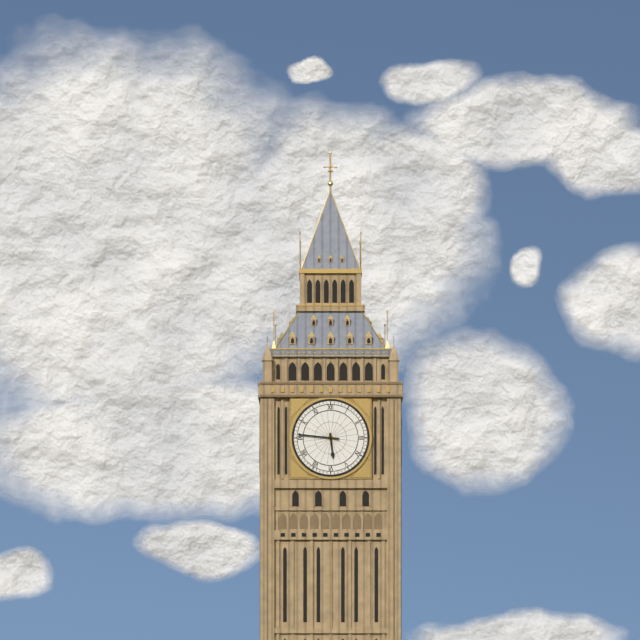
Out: h=5 m=46
